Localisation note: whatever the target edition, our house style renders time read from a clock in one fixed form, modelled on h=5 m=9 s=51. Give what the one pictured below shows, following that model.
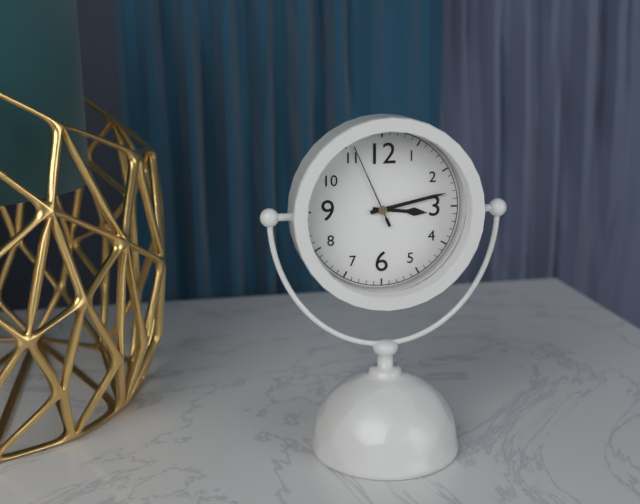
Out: h=3 m=13 s=56
